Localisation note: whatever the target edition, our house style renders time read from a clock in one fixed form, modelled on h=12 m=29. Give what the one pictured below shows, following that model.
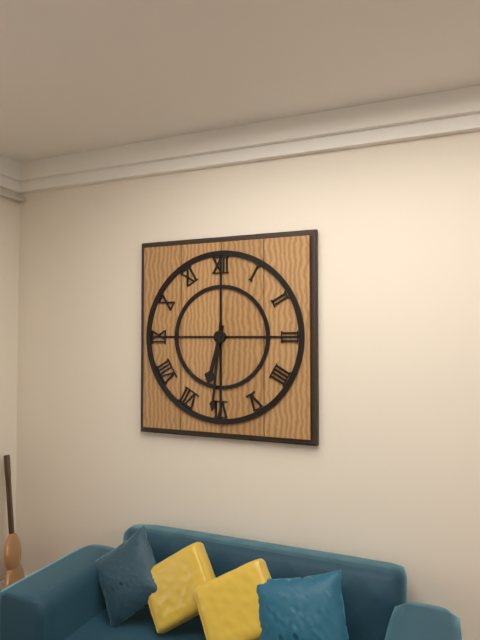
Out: h=6 m=31
